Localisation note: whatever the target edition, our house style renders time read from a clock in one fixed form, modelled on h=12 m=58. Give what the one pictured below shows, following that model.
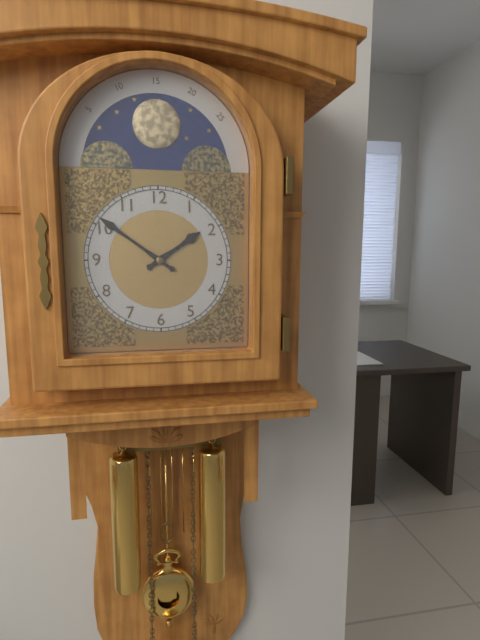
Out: h=1 m=51
